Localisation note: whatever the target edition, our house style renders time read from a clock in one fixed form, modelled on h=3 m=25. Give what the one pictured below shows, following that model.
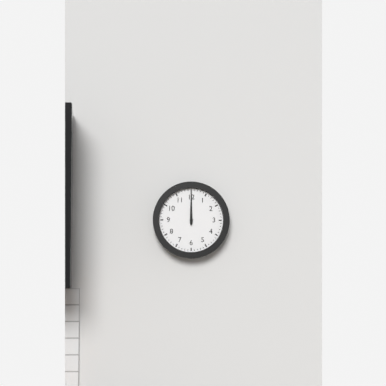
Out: h=12 m=0
